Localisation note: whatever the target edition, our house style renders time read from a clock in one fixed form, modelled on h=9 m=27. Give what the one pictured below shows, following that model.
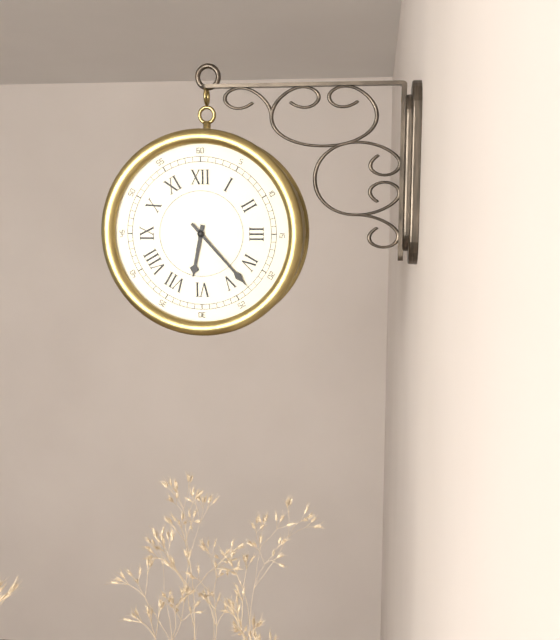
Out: h=6 m=23
